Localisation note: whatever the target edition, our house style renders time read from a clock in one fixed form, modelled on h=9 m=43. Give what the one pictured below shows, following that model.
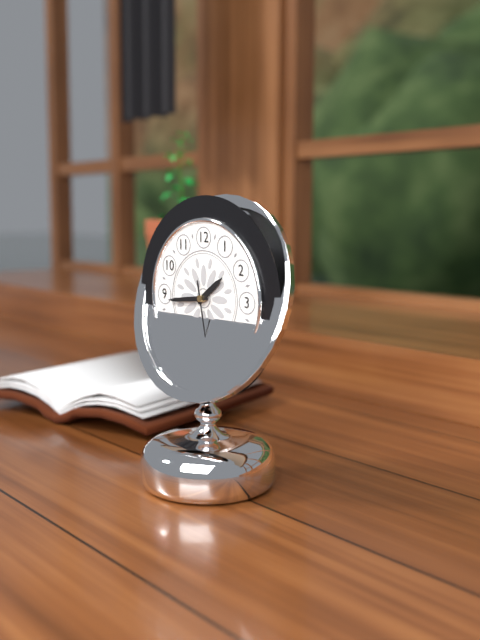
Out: h=1 m=44
